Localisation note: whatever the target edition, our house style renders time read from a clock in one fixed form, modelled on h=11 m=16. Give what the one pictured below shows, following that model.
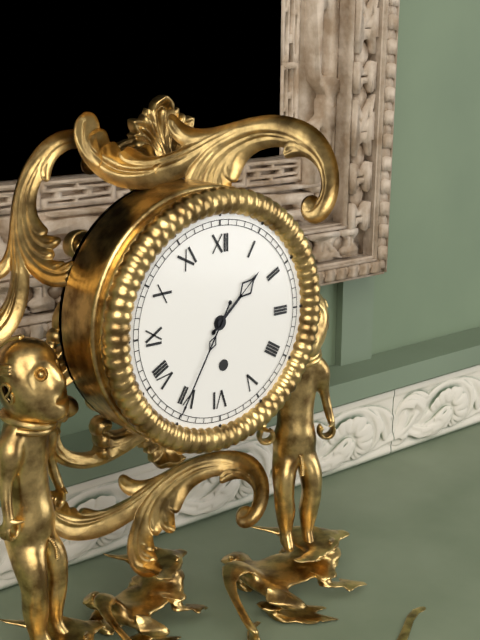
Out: h=1 m=35
